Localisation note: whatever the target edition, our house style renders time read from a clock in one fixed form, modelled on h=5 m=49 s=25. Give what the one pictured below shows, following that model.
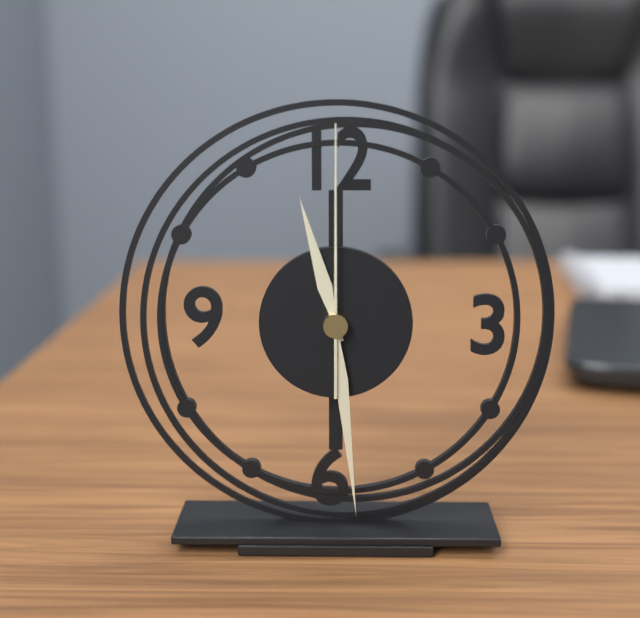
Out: h=11 m=29 s=0
